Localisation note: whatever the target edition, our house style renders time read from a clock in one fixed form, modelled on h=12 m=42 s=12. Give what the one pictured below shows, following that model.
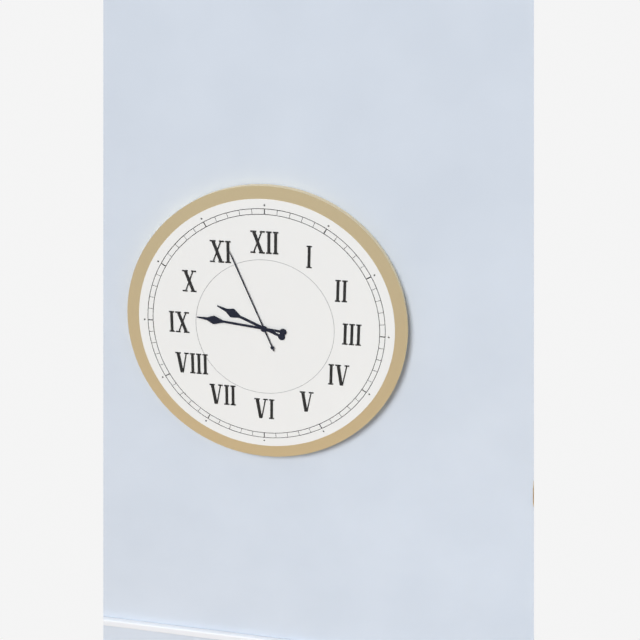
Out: h=9 m=46 s=56
